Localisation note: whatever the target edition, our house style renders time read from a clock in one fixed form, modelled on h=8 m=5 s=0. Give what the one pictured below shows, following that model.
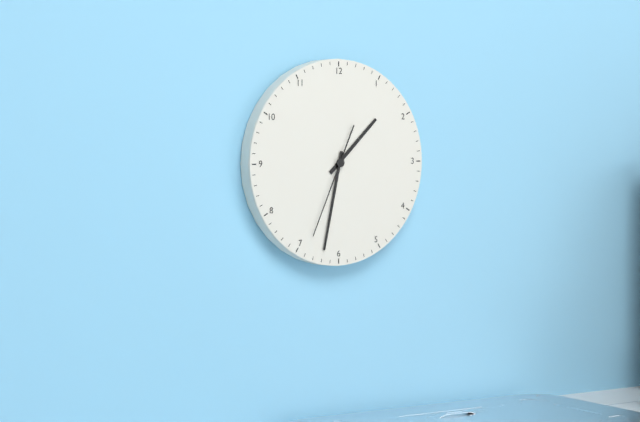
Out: h=1 m=32 s=34
